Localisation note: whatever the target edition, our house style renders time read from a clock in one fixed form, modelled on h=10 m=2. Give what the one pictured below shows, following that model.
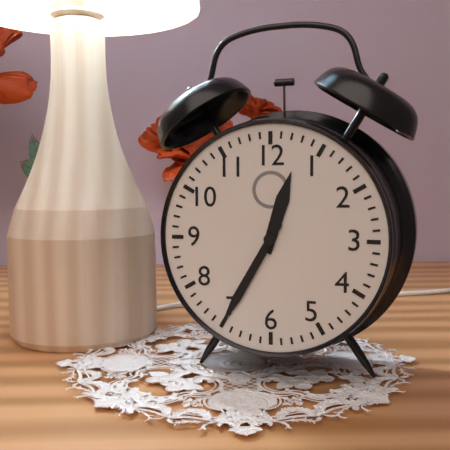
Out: h=12 m=35
